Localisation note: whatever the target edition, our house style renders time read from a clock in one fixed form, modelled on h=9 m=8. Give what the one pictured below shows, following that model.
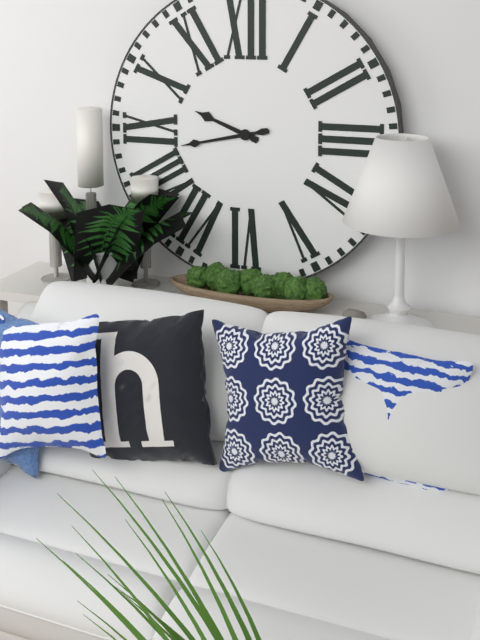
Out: h=9 m=43
